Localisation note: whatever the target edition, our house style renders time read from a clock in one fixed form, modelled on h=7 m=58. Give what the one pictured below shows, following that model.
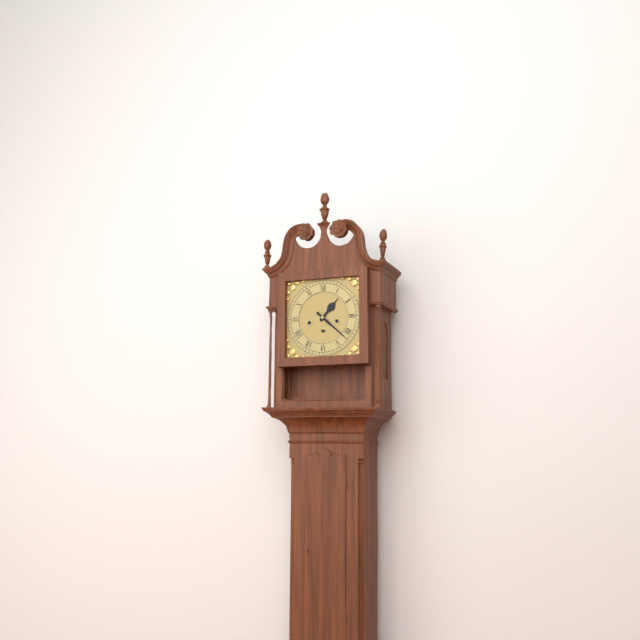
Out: h=1 m=22
